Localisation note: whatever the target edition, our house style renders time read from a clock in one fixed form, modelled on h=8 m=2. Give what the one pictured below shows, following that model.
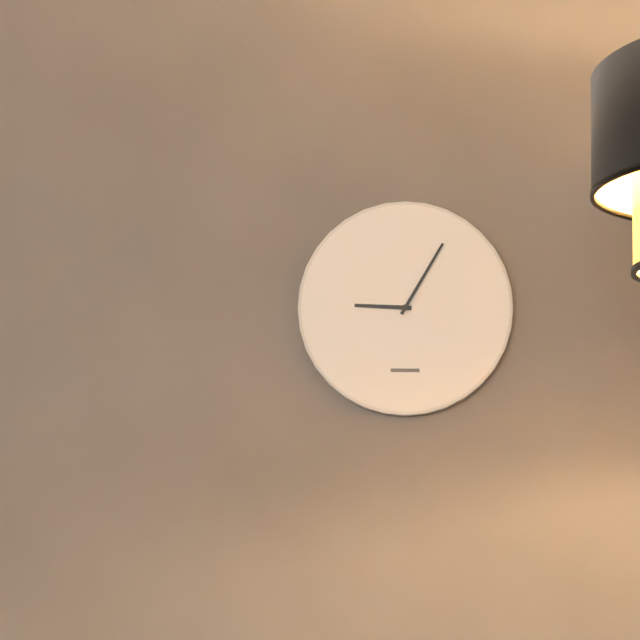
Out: h=9 m=5
